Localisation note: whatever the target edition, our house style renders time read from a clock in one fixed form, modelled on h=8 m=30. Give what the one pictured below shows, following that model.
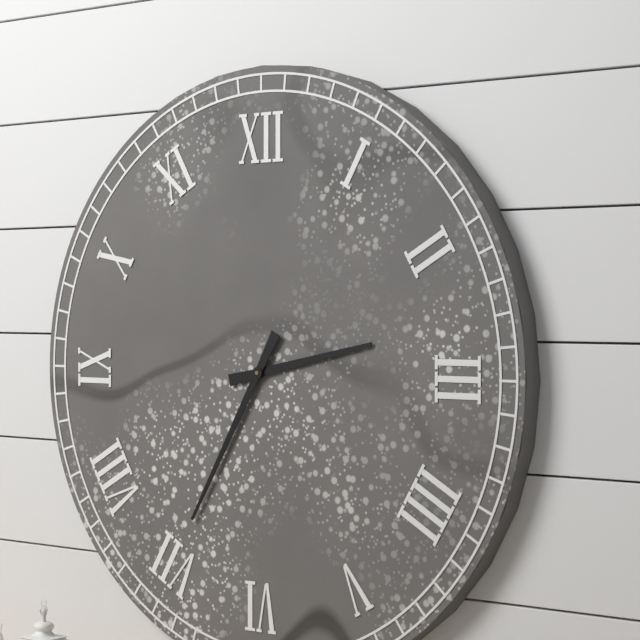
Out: h=2 m=35
